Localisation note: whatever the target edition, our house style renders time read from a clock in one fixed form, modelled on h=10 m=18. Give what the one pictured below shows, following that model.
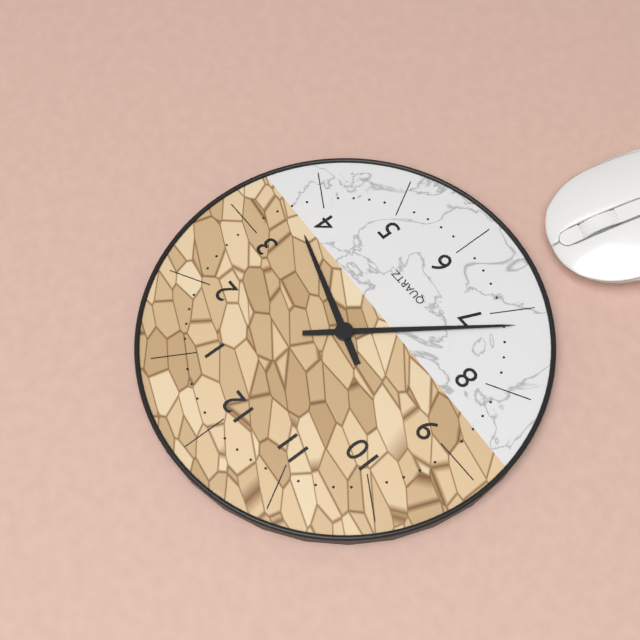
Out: h=3 m=36
